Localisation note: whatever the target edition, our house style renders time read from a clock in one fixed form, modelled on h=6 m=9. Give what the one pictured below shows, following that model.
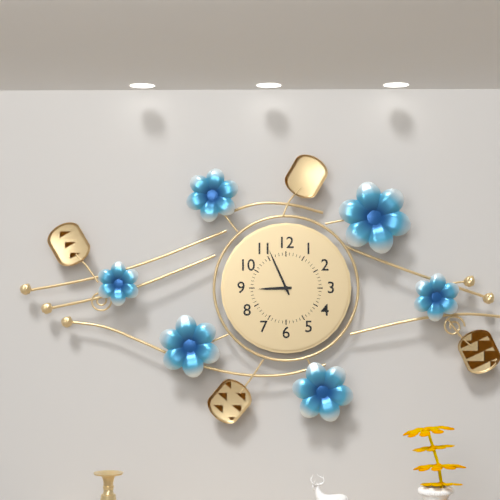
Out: h=8 m=56
